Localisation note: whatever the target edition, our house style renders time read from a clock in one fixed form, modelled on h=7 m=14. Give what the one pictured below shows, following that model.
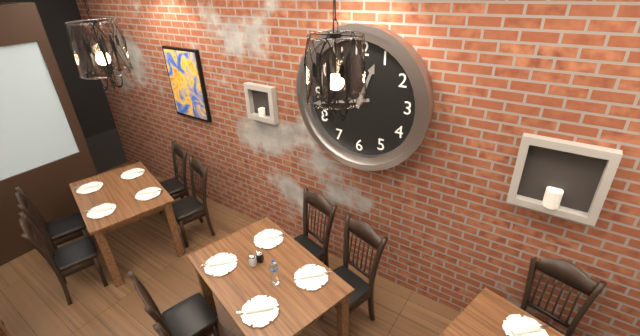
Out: h=12 m=43
